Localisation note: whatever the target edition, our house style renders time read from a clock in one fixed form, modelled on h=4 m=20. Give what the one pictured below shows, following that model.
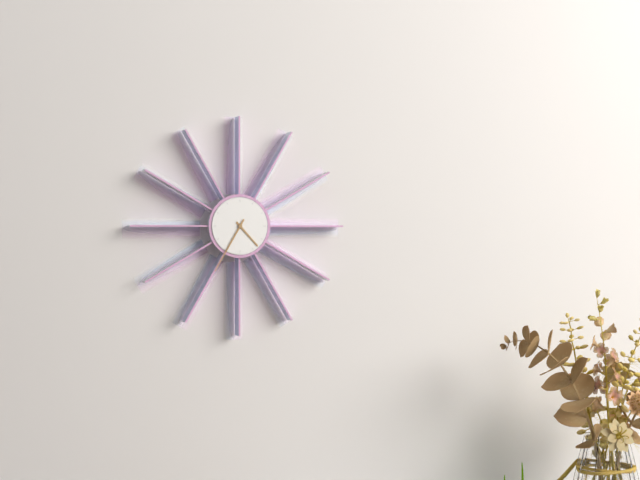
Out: h=4 m=35
